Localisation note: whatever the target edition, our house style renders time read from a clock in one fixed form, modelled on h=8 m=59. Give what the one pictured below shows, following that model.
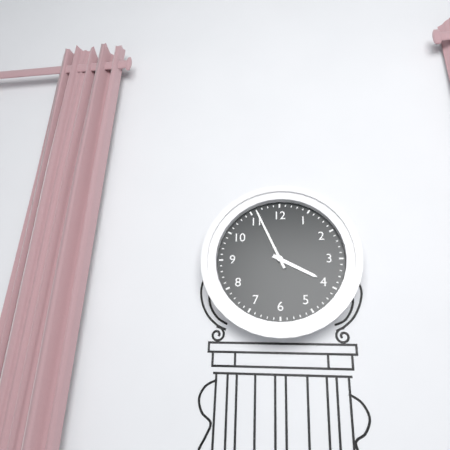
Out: h=3 m=56
